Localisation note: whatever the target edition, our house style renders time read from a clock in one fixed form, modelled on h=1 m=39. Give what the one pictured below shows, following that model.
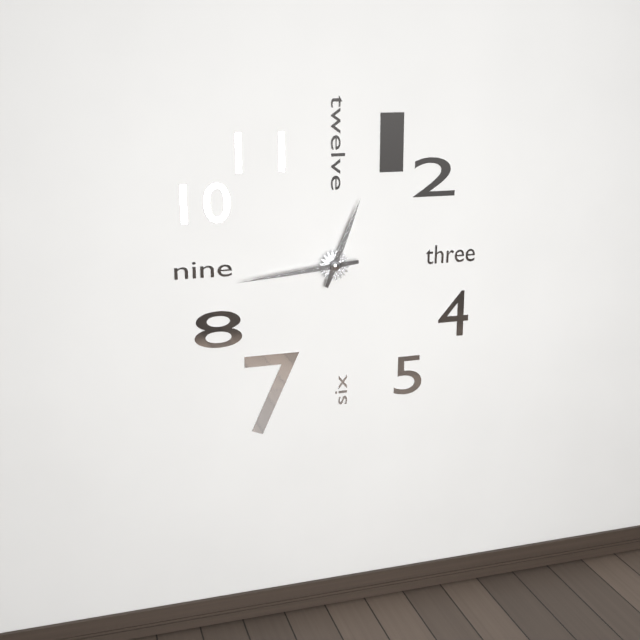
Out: h=12 m=44
